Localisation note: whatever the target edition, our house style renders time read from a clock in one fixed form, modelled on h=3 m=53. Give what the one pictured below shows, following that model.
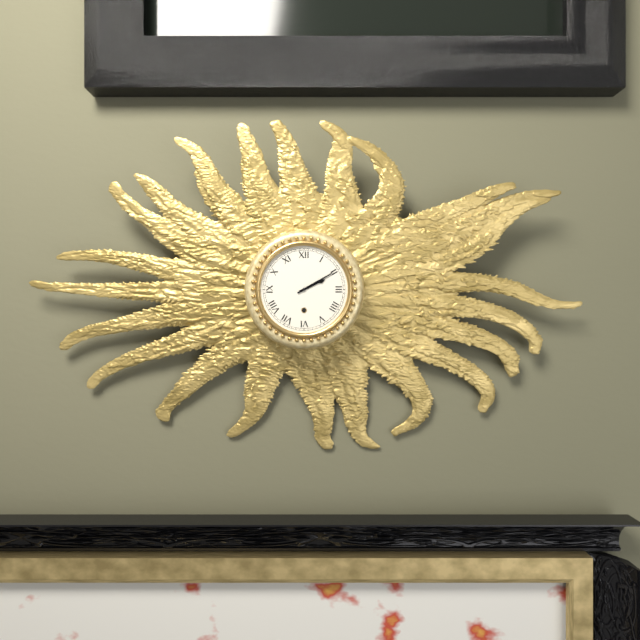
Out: h=2 m=10
